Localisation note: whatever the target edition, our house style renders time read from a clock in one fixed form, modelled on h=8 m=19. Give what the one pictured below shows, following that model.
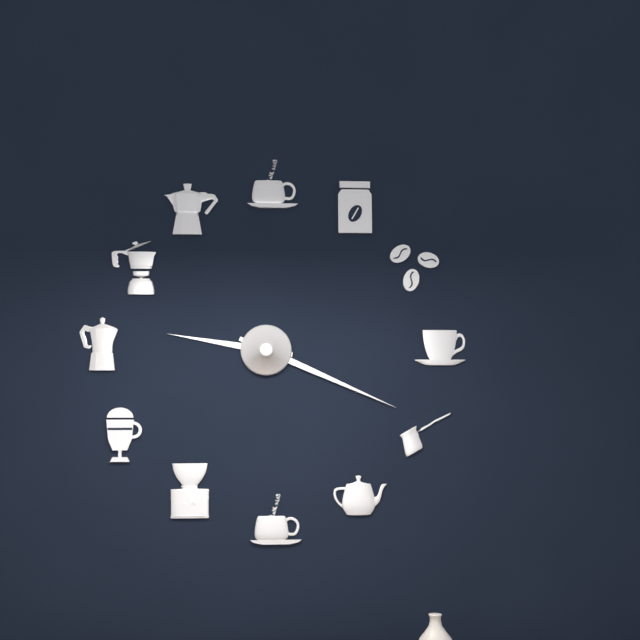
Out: h=9 m=19
